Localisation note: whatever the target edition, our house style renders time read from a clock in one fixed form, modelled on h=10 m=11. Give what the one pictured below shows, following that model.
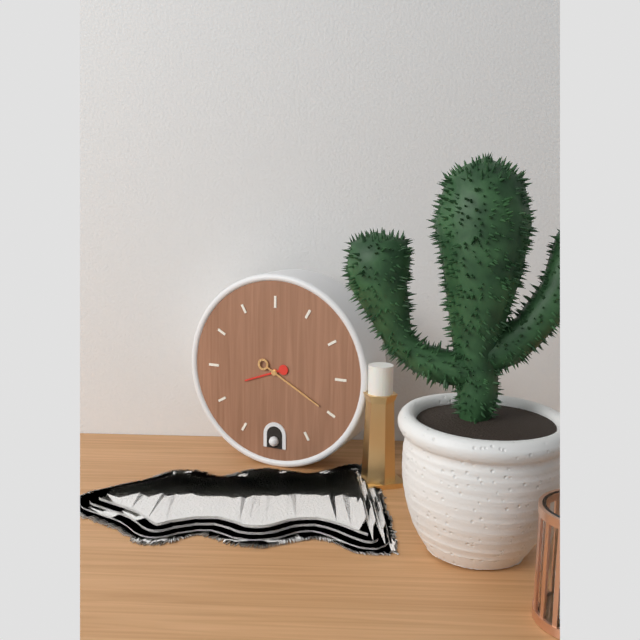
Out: h=8 m=20
